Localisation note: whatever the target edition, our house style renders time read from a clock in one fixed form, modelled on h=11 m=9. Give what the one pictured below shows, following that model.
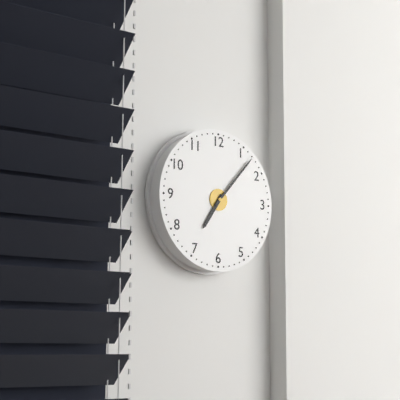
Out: h=7 m=7
